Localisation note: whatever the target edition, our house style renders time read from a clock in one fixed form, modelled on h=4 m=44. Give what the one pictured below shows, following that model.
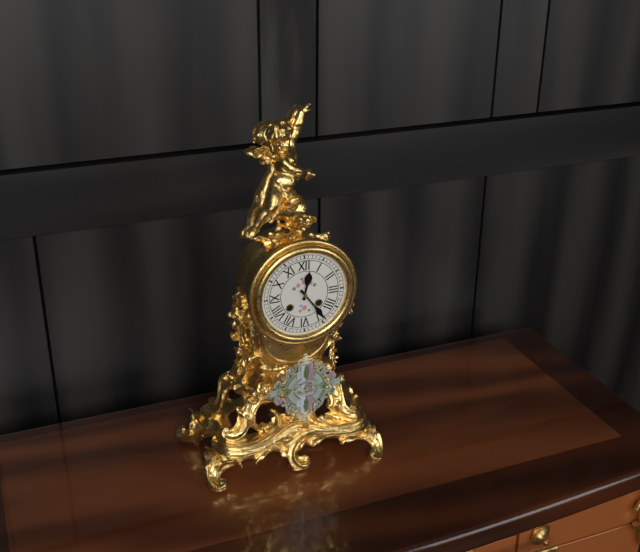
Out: h=12 m=24
